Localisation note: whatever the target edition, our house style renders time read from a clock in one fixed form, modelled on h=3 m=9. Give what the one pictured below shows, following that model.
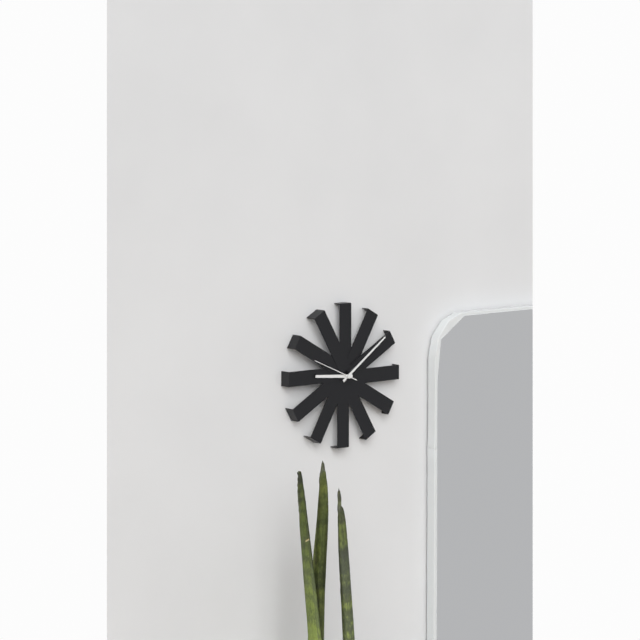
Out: h=9 m=9
